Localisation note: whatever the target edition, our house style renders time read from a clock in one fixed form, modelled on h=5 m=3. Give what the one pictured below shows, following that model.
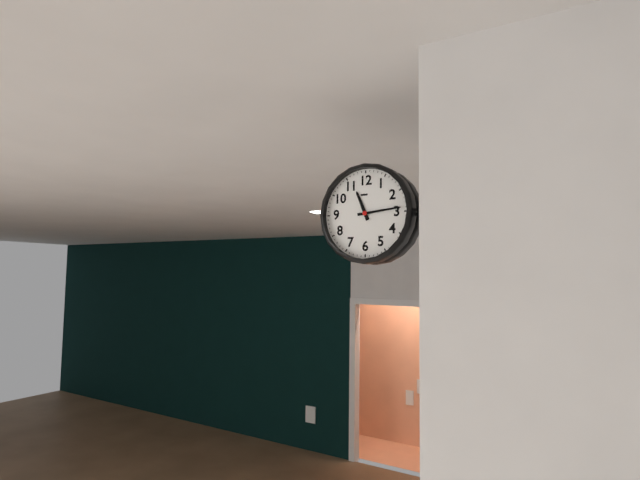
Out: h=11 m=14
